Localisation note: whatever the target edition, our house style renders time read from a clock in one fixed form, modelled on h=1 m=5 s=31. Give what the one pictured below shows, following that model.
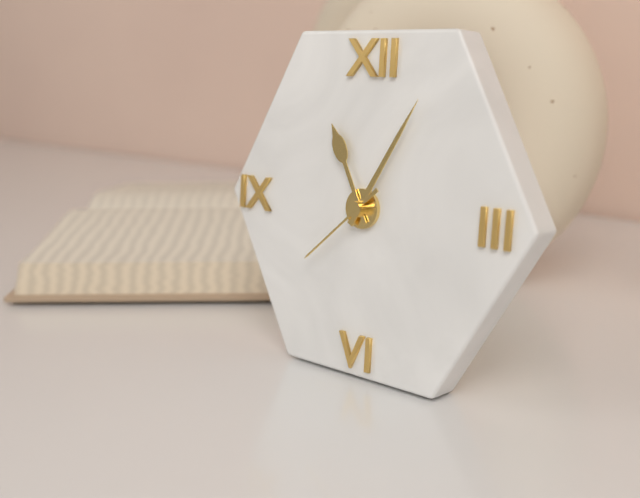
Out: h=11 m=5 s=38
